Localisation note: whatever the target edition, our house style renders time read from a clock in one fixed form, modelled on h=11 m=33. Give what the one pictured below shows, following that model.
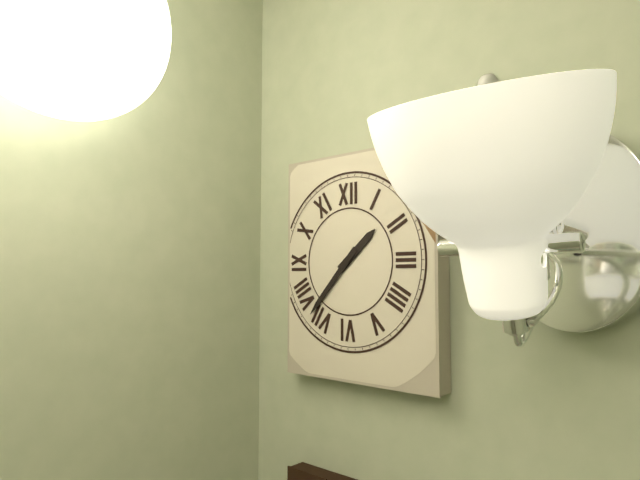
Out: h=1 m=37
